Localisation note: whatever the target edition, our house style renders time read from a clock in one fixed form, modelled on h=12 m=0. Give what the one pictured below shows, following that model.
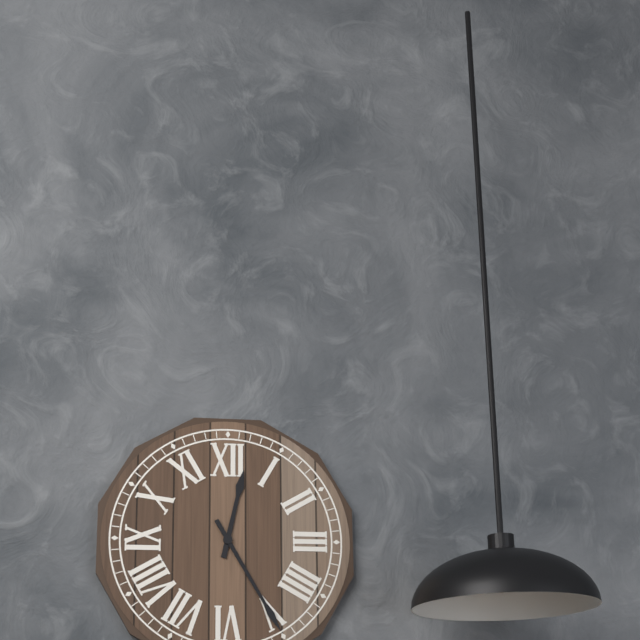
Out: h=12 m=25
